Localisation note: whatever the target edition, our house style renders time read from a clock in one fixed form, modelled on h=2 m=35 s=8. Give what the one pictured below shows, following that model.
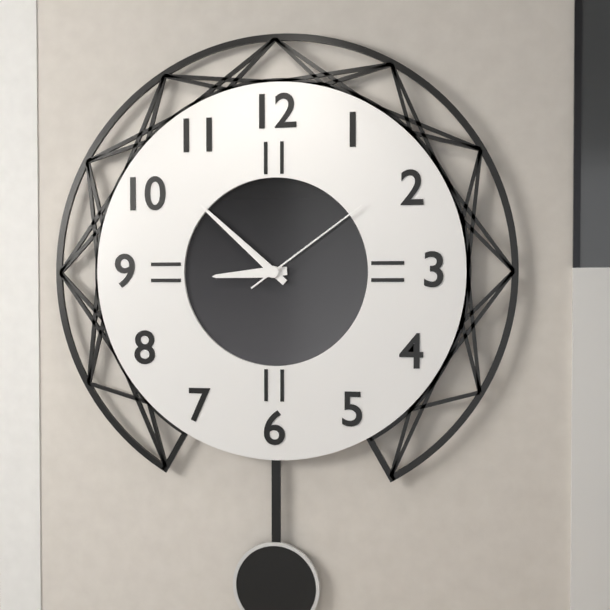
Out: h=8 m=52 s=9
